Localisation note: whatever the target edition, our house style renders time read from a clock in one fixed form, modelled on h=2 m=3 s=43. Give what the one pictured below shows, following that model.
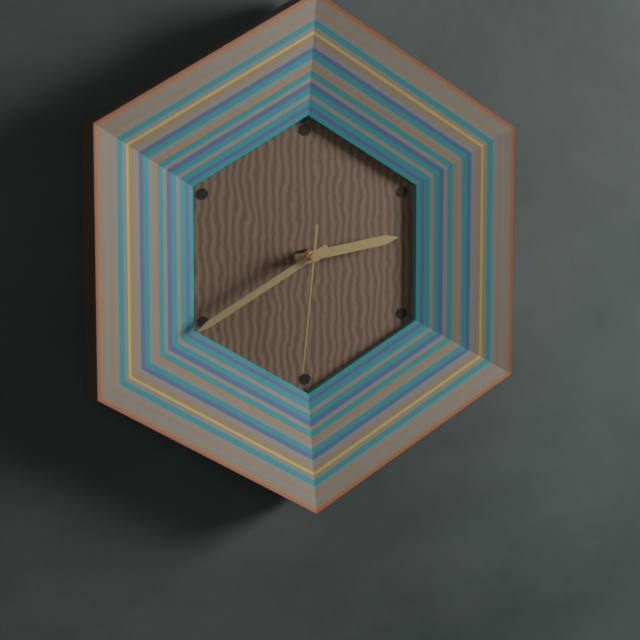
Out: h=2 m=40 s=31
